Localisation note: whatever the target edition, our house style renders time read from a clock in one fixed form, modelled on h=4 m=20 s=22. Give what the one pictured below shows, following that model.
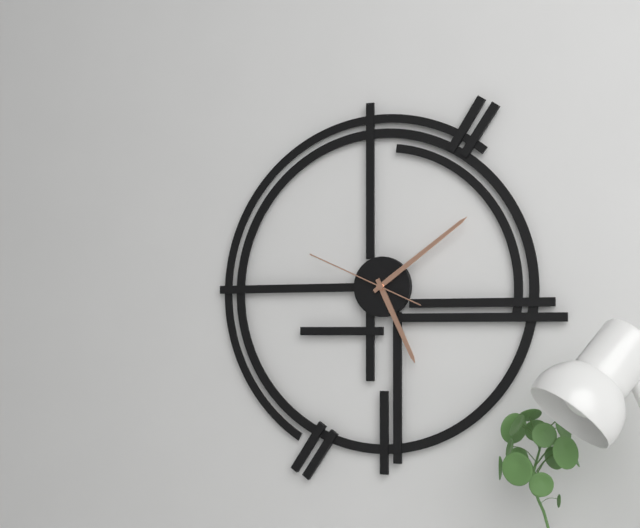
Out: h=5 m=9 s=49
